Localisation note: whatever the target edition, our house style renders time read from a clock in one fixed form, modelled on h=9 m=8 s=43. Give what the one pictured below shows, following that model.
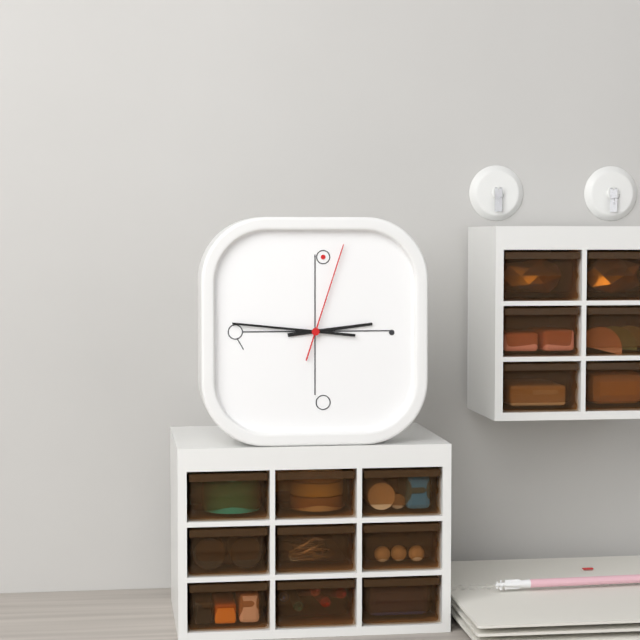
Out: h=2 m=46 s=3
